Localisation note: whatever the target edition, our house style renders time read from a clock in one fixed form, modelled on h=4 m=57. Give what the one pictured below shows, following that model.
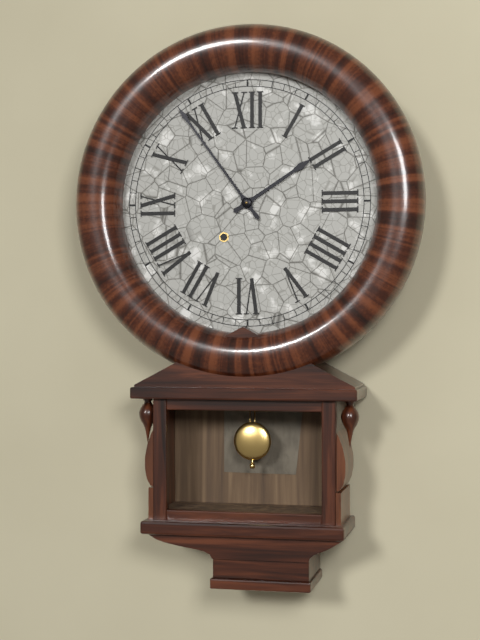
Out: h=1 m=54
